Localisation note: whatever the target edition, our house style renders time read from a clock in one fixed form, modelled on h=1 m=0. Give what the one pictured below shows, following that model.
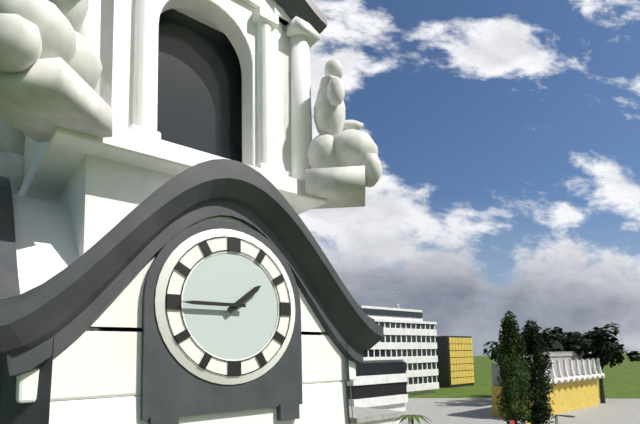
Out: h=1 m=45
